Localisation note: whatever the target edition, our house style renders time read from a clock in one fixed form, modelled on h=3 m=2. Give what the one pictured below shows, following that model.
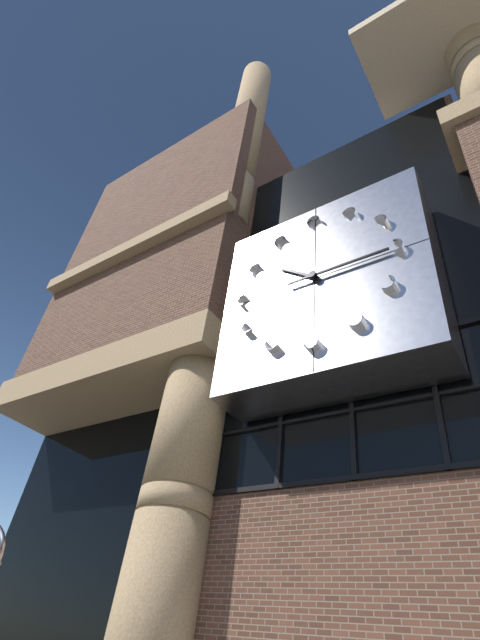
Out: h=10 m=15
